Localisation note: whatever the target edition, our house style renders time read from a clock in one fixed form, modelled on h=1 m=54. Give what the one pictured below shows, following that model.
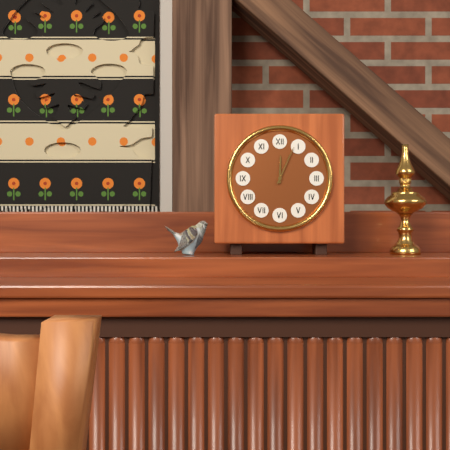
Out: h=12 m=4
